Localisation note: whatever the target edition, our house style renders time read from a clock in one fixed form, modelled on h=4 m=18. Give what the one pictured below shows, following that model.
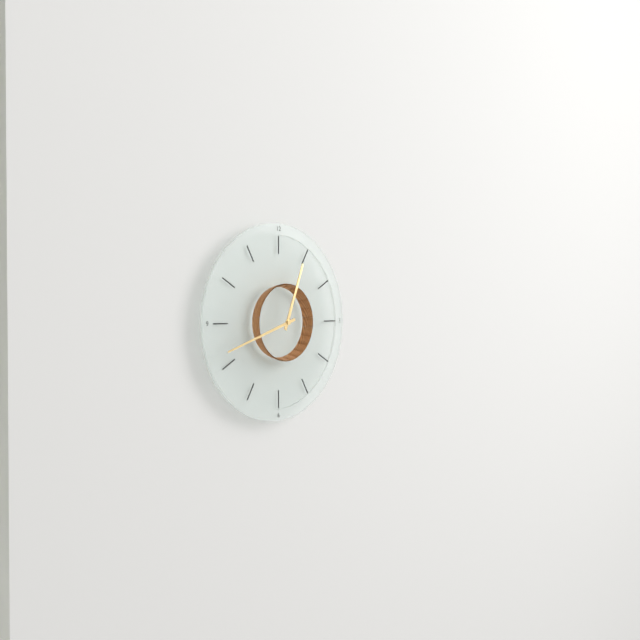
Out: h=12 m=42
